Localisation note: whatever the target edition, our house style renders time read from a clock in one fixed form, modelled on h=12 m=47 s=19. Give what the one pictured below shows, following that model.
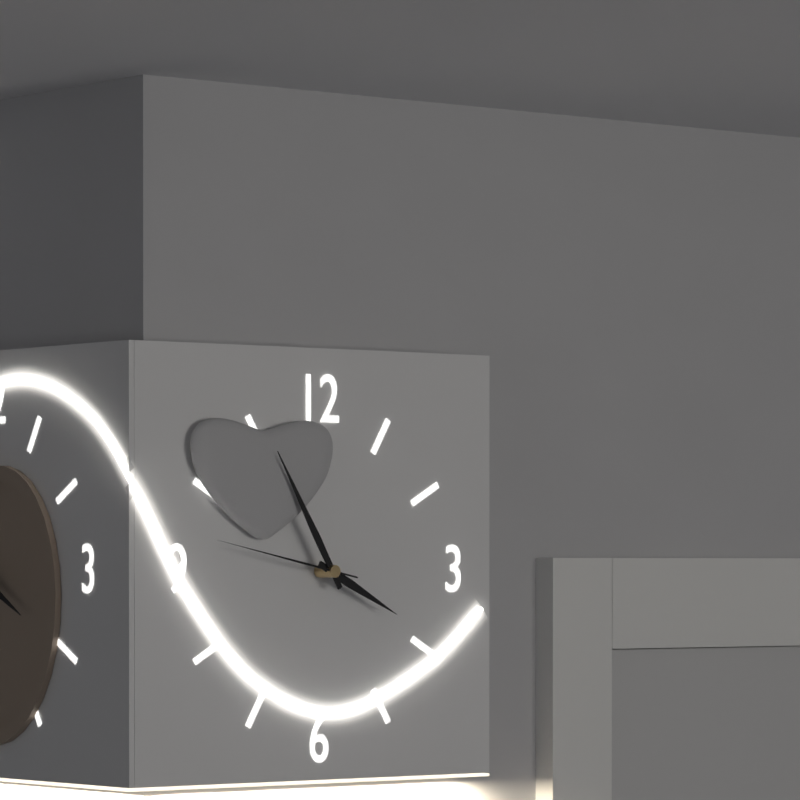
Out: h=3 m=55 s=47
